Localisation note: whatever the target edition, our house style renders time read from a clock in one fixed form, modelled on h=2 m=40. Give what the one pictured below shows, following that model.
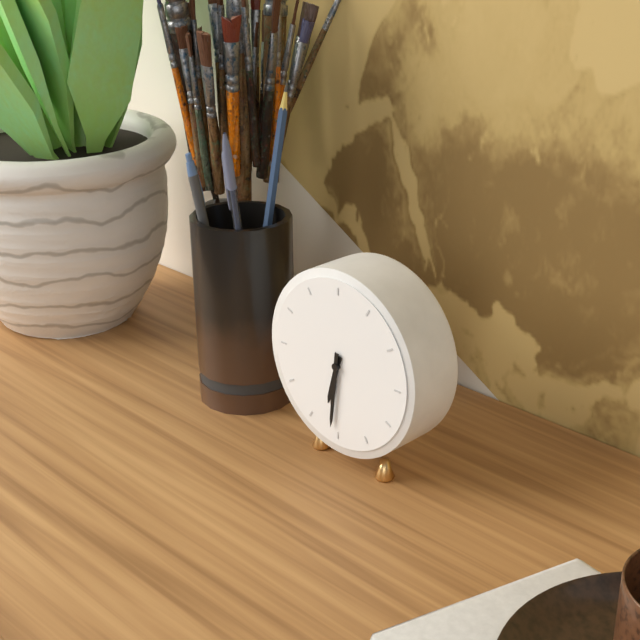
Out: h=6 m=31
